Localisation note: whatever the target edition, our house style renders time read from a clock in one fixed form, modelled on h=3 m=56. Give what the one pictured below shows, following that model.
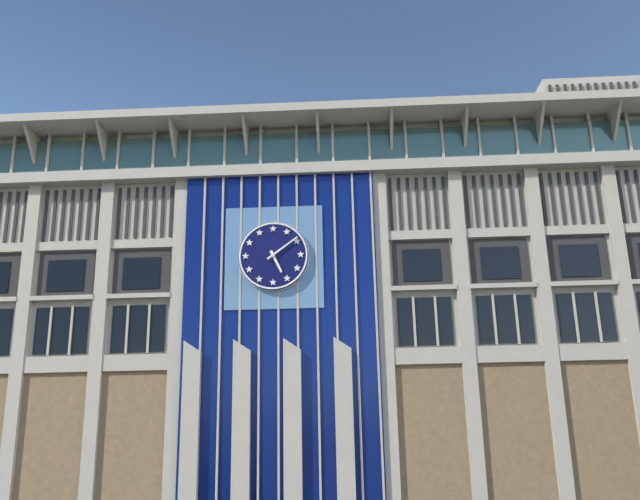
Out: h=5 m=9
